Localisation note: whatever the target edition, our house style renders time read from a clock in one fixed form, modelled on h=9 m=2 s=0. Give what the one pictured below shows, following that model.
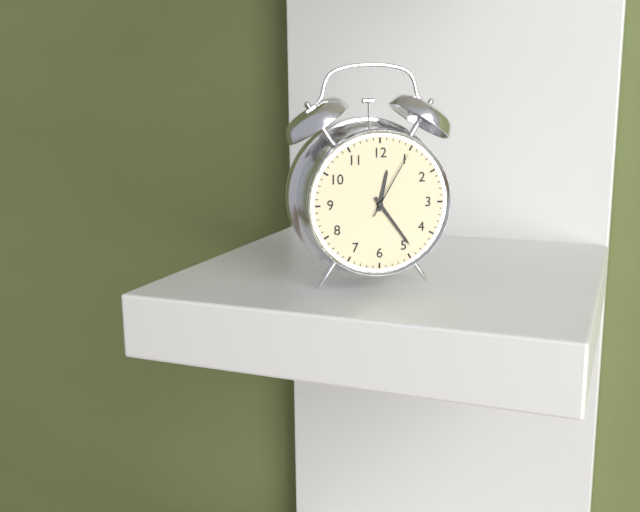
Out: h=12 m=24 s=5
